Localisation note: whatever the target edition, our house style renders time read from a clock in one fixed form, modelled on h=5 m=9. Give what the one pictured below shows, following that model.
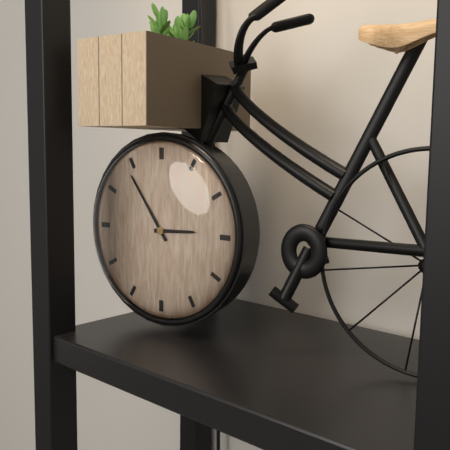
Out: h=2 m=54
